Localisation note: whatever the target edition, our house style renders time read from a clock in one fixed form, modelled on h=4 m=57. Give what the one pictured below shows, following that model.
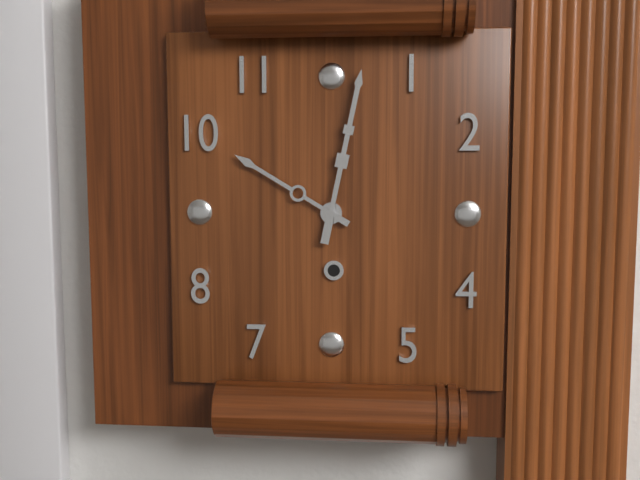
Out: h=10 m=2
